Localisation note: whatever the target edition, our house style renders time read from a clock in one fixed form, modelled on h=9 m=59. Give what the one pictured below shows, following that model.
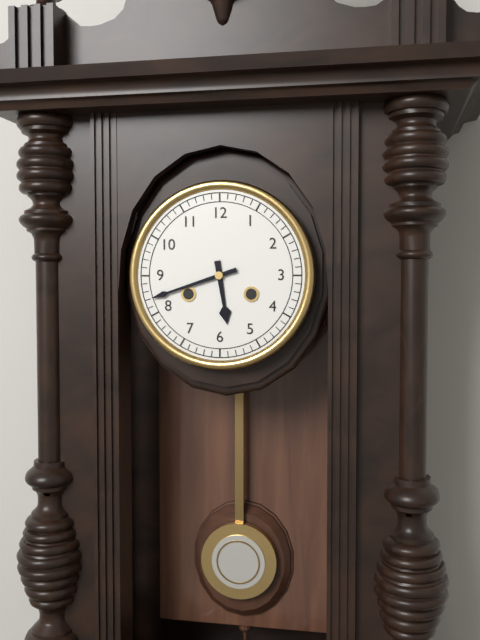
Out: h=5 m=42
